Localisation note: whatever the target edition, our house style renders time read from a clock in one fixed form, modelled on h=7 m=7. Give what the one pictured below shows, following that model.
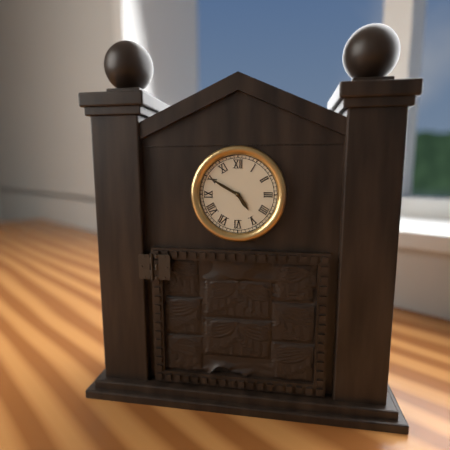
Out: h=4 m=50
